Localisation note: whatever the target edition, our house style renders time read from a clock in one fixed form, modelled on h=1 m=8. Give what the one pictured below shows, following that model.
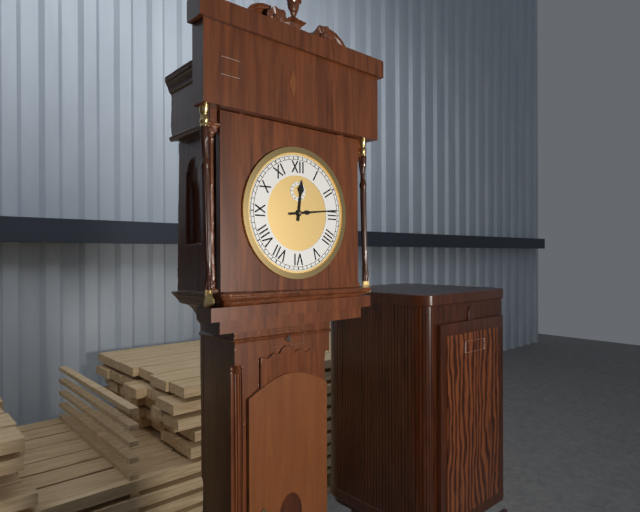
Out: h=12 m=14
